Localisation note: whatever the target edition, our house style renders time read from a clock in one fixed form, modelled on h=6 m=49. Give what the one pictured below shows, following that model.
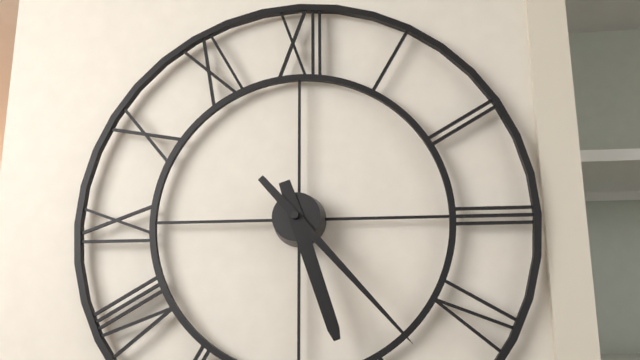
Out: h=5 m=23
